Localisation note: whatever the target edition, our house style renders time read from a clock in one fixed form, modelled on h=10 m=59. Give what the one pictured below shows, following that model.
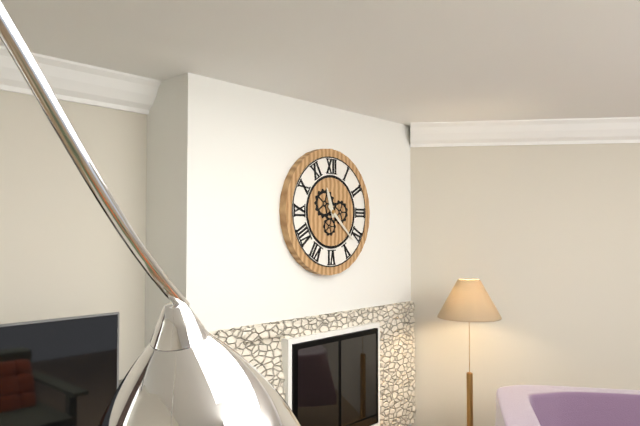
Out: h=11 m=22
